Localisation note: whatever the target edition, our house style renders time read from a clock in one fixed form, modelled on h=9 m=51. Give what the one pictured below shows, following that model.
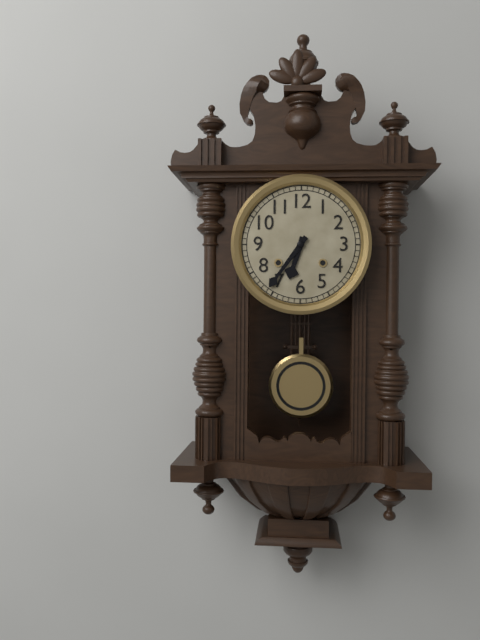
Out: h=6 m=36
